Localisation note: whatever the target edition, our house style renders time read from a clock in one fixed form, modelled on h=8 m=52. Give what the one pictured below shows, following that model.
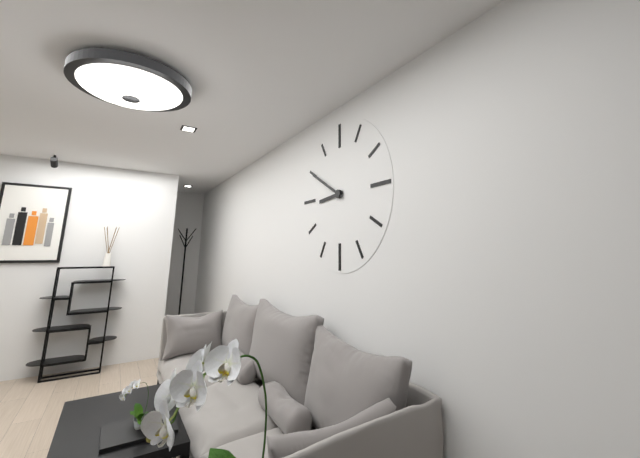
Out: h=8 m=50
